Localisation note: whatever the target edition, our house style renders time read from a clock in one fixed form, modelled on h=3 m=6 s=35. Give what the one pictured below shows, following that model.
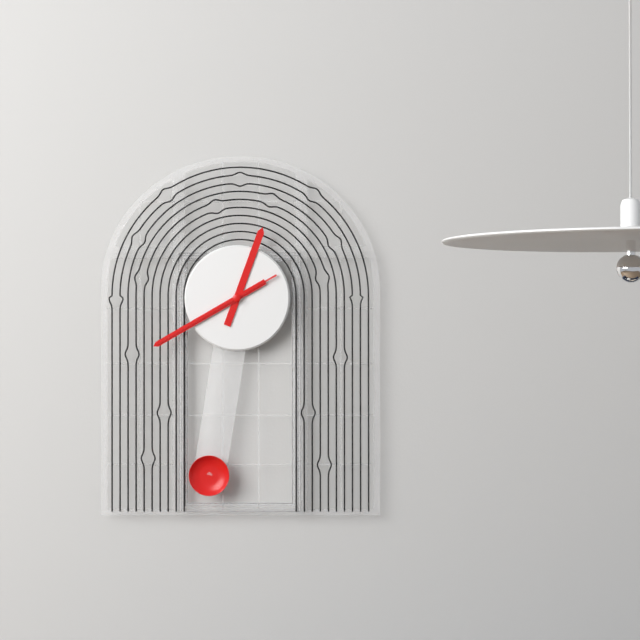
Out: h=12 m=40 s=40
